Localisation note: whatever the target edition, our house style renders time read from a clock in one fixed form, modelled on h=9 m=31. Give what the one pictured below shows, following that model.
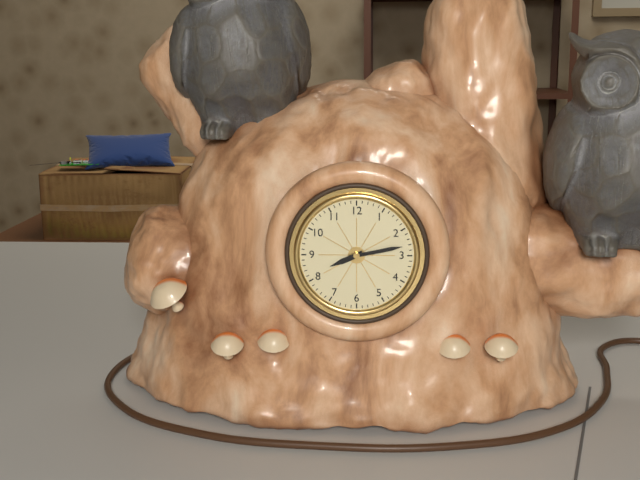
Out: h=8 m=13
